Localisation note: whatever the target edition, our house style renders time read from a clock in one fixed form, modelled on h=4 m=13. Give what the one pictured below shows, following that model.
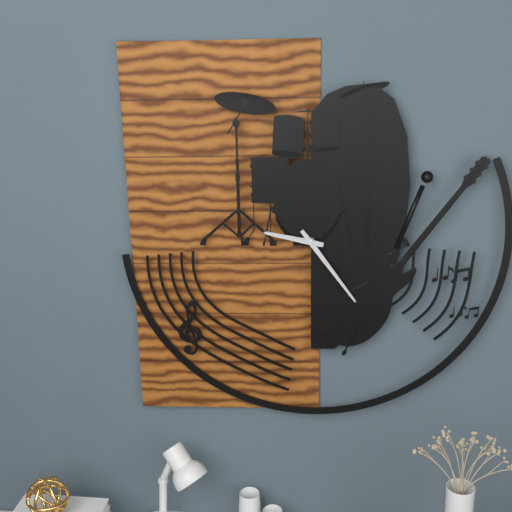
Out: h=9 m=24
